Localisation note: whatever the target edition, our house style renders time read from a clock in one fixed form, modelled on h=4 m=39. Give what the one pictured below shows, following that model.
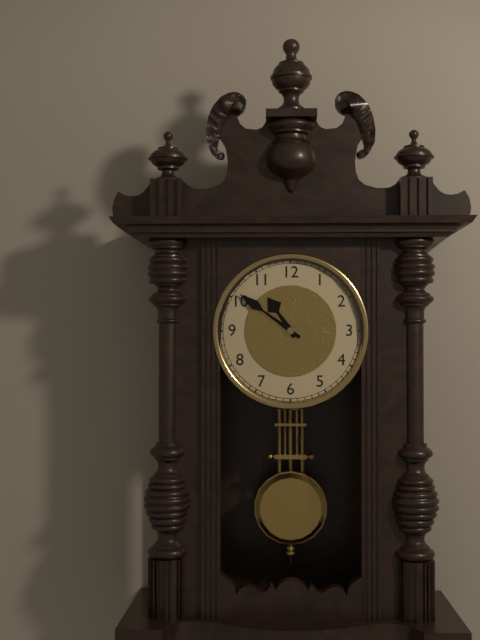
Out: h=10 m=51
